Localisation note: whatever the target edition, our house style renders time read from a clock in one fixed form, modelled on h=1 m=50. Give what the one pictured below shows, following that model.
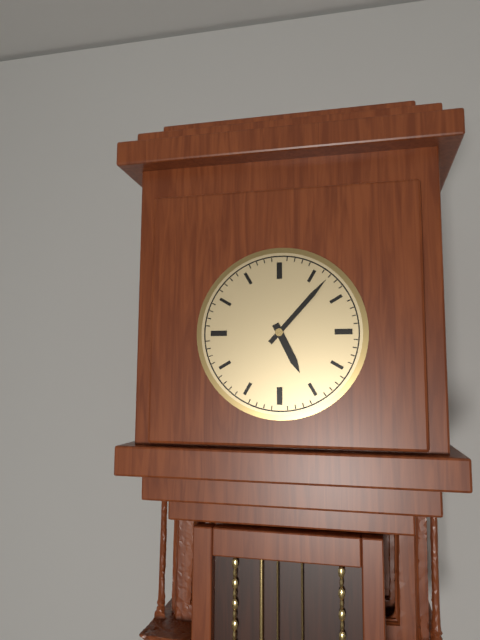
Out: h=5 m=7
